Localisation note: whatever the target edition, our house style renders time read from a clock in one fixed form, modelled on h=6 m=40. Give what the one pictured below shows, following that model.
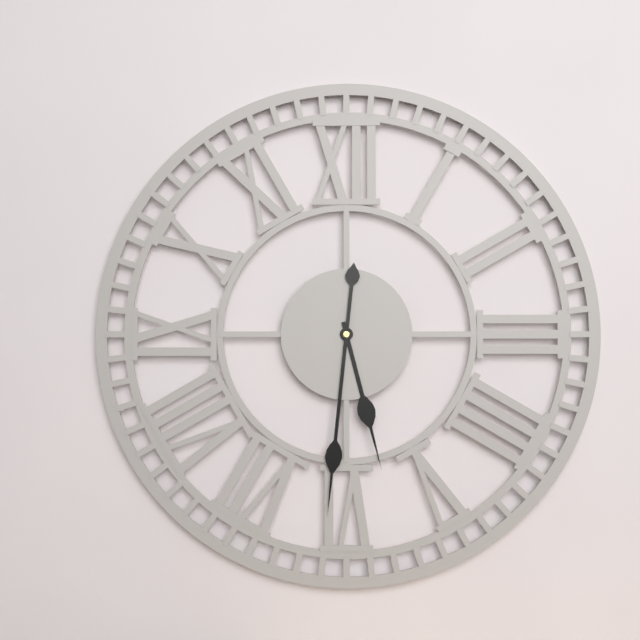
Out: h=5 m=31
